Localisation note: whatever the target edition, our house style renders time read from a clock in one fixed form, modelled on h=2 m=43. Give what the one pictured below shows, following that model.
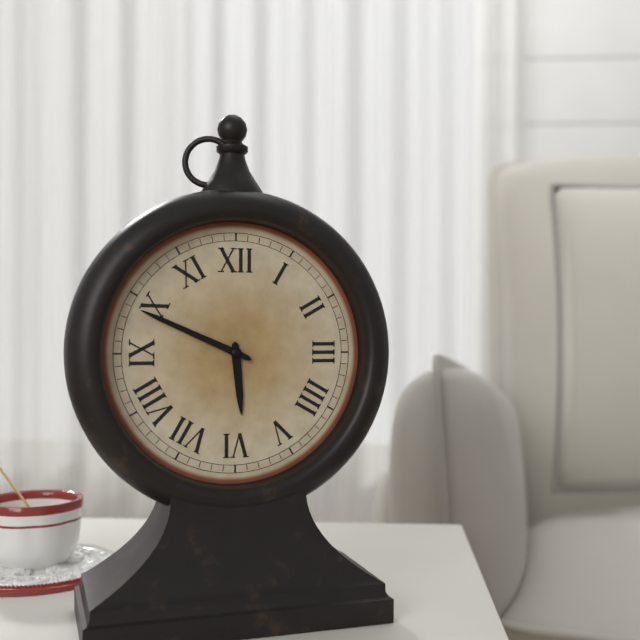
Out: h=5 m=49
